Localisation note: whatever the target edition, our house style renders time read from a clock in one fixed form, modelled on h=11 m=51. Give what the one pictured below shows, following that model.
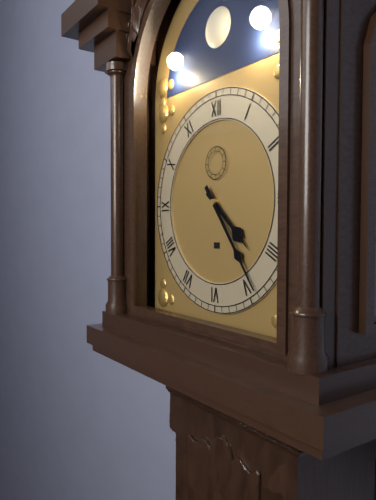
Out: h=4 m=24
